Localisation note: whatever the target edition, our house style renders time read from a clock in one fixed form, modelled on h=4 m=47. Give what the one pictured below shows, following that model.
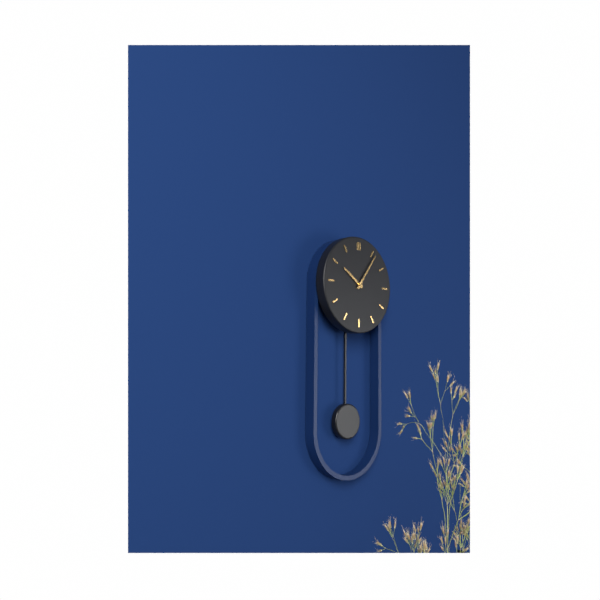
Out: h=10 m=6
